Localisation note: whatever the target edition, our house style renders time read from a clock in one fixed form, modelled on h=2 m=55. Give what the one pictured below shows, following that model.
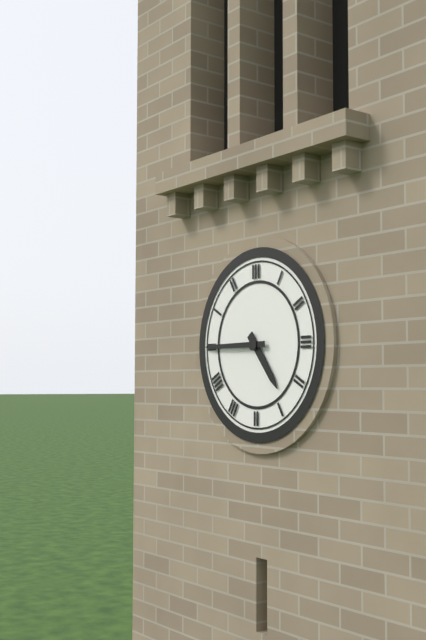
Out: h=4 m=45
